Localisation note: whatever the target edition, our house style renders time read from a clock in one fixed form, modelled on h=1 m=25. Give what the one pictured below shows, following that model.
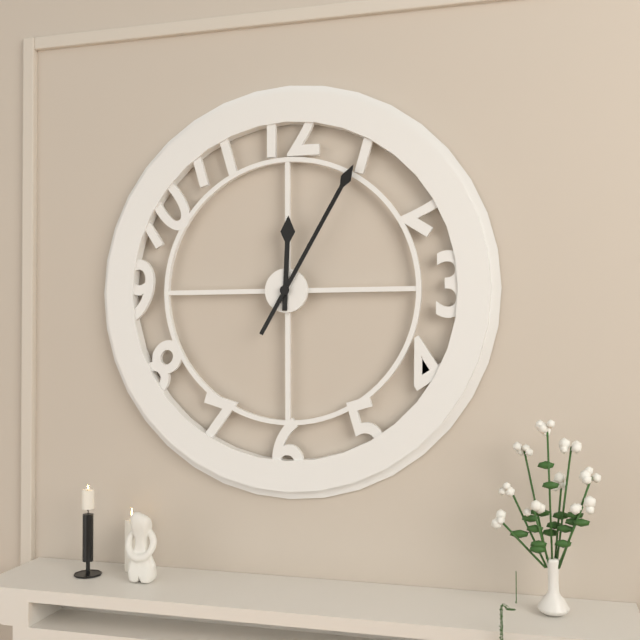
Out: h=12 m=5
